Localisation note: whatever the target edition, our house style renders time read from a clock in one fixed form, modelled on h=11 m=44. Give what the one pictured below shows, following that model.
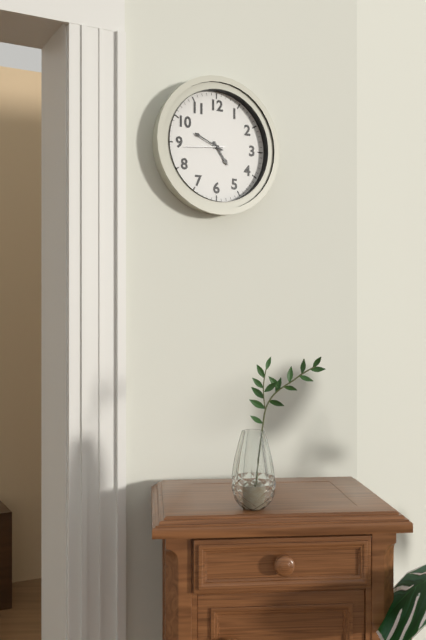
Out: h=4 m=49
